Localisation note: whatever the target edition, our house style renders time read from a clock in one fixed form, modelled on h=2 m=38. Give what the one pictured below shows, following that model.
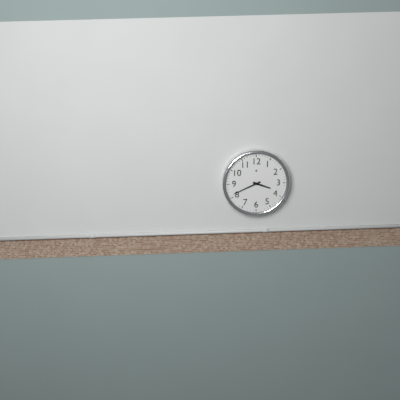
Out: h=3 m=41
